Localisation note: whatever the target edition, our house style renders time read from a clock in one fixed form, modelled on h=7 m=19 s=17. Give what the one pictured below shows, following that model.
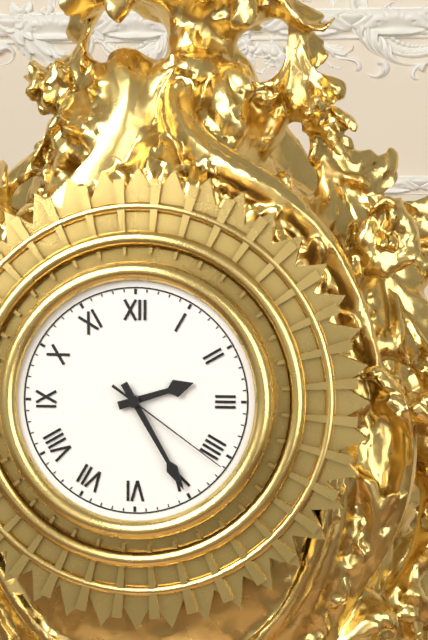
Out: h=2 m=25 s=21
